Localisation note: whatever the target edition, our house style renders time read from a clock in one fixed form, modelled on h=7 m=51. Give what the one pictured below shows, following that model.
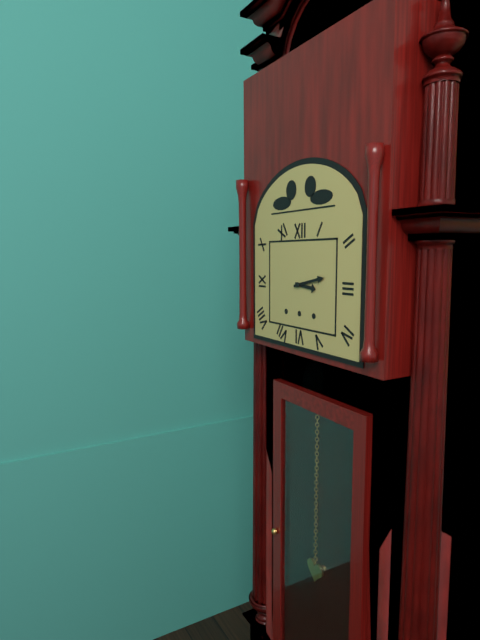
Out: h=3 m=13
